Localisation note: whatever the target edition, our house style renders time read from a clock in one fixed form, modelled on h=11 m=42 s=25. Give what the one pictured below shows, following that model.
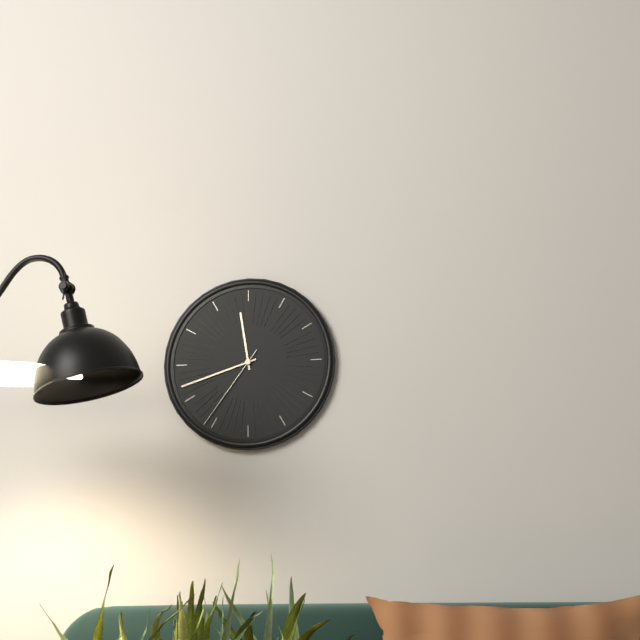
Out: h=11 m=42 s=36
